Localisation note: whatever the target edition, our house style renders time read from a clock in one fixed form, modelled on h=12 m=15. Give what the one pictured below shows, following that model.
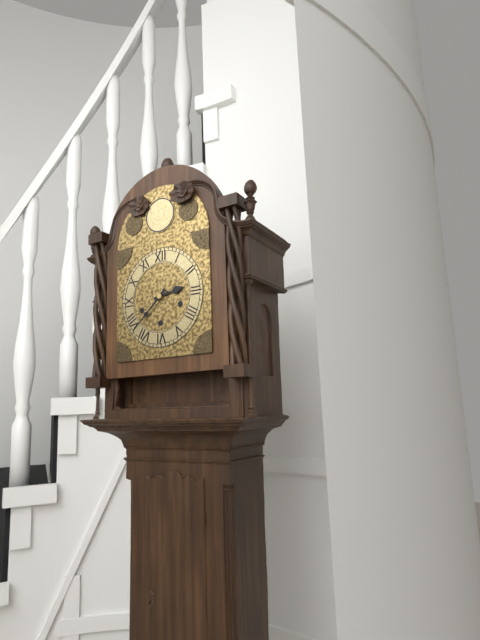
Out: h=2 m=38
